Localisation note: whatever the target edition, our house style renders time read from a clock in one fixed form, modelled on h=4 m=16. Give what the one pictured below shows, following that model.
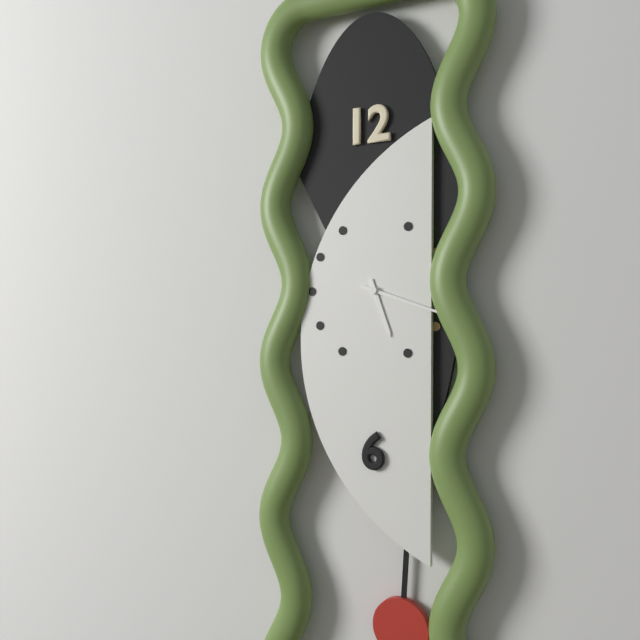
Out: h=5 m=18
